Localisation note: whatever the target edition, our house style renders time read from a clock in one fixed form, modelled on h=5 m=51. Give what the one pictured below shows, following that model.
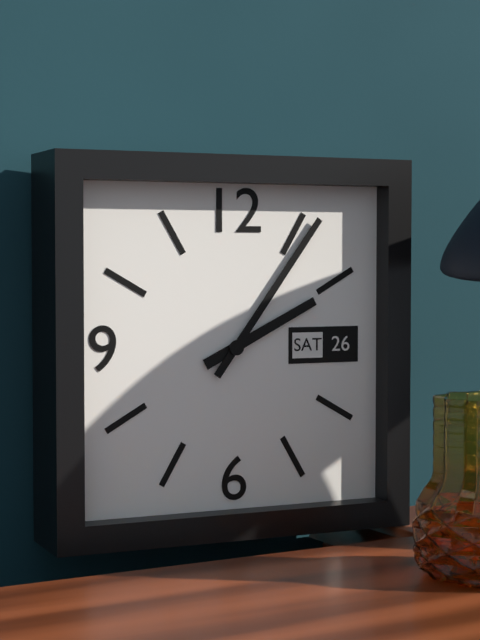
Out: h=2 m=6
